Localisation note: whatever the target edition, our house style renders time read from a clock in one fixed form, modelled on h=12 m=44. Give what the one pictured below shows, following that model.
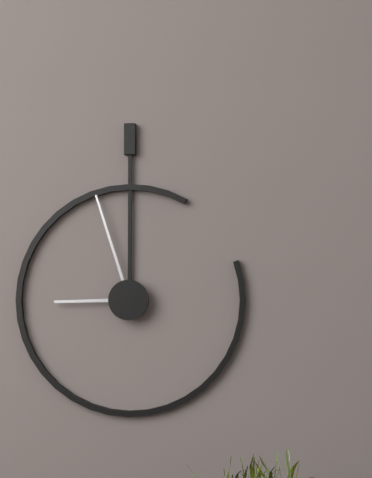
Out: h=8 m=57
